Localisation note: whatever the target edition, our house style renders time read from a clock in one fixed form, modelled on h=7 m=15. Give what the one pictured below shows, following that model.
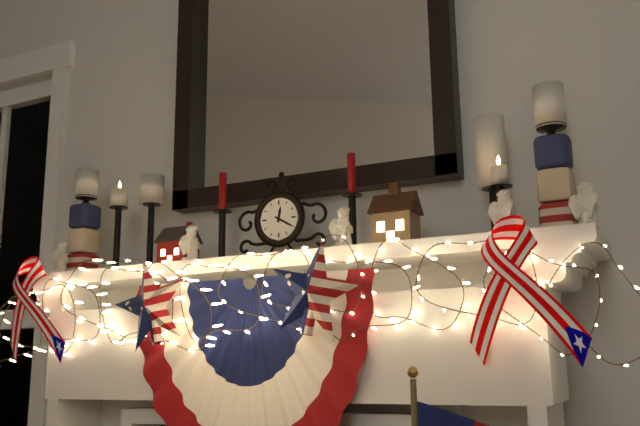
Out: h=12 m=20
